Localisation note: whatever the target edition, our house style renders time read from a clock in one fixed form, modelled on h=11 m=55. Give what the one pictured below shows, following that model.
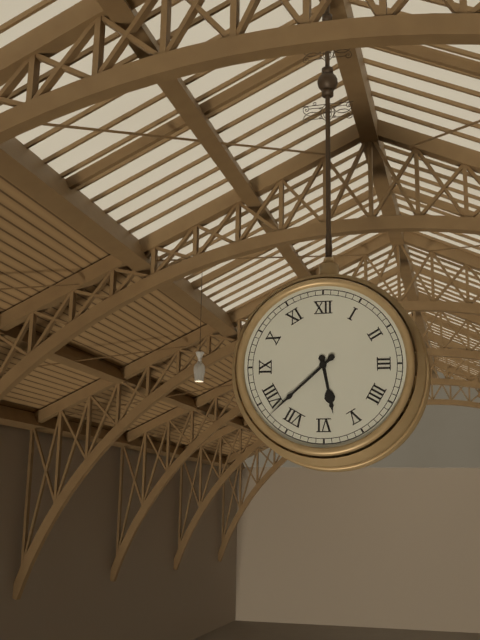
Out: h=5 m=38
